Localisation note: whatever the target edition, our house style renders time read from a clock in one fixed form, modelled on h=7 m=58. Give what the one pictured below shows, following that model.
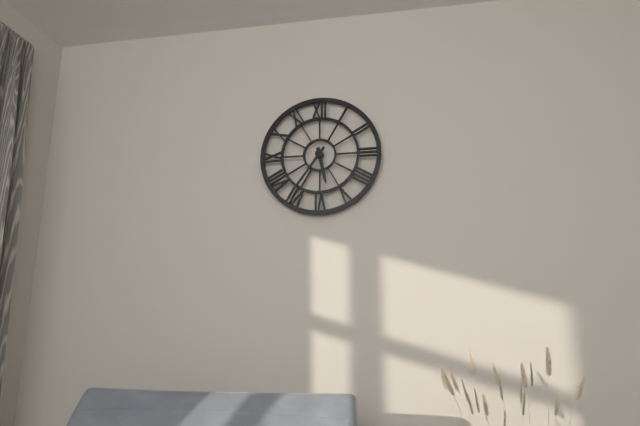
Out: h=5 m=36
